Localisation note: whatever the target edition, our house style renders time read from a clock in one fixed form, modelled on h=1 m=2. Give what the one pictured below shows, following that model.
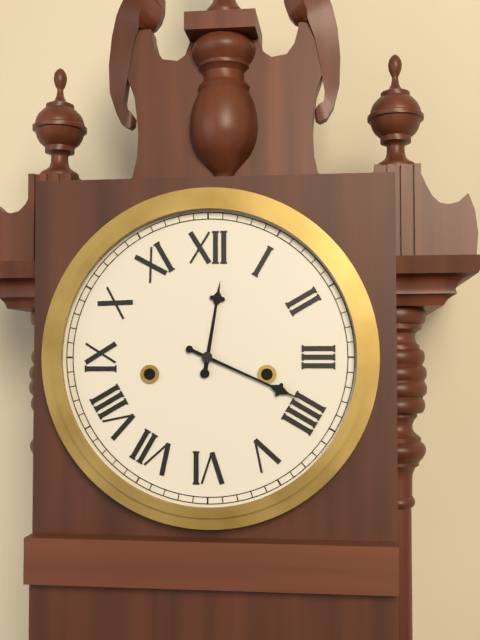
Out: h=12 m=19
